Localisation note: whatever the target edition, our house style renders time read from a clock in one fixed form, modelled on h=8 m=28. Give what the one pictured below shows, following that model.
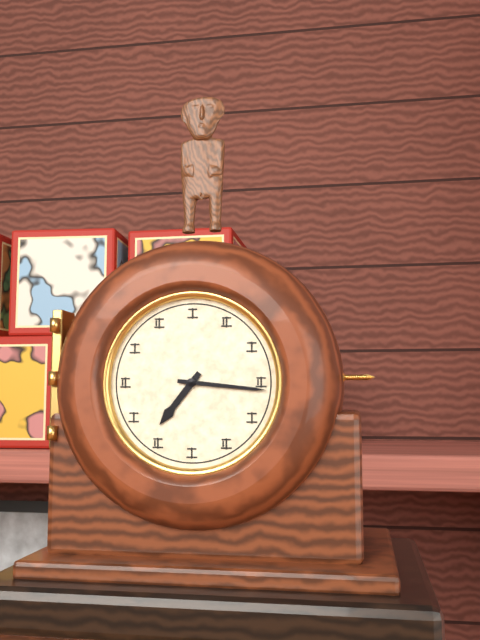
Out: h=7 m=16
